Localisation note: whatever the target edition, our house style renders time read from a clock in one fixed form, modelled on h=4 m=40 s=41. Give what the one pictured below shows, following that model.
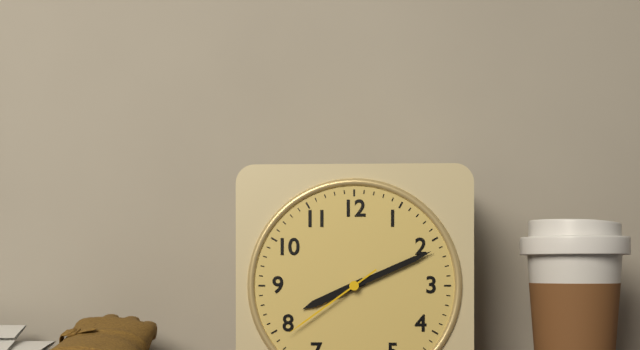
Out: h=8 m=11 s=39
